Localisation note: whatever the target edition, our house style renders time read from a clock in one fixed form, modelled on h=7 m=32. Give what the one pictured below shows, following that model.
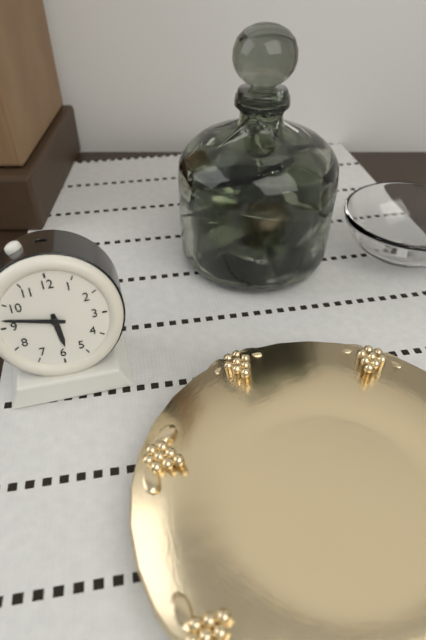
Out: h=5 m=47
